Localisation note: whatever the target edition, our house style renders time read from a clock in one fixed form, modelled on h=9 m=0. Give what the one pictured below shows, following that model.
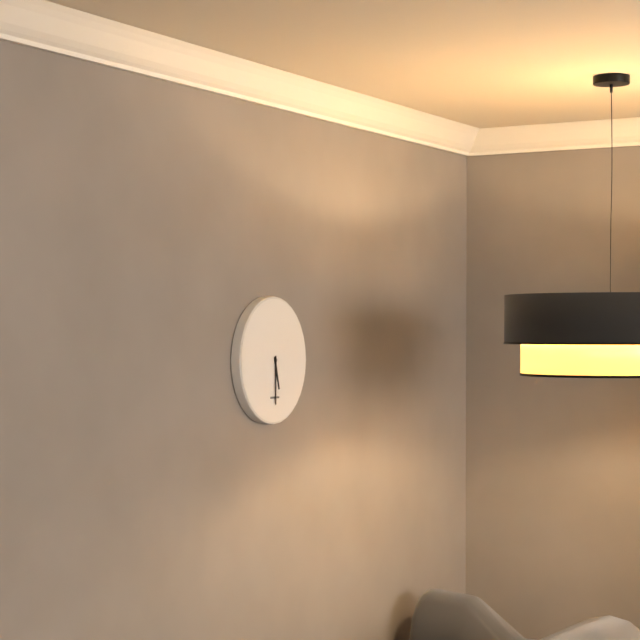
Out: h=5 m=30
